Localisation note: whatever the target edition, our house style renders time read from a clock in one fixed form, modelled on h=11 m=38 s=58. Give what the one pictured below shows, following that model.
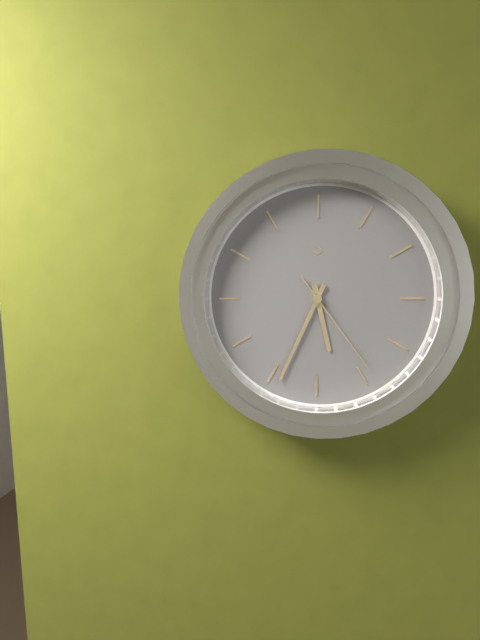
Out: h=5 m=34 s=24
